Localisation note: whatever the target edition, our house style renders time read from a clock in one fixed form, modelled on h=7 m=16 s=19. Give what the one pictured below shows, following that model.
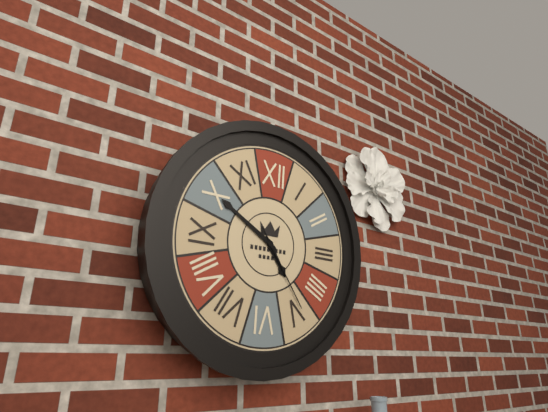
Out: h=4 m=50 s=24
